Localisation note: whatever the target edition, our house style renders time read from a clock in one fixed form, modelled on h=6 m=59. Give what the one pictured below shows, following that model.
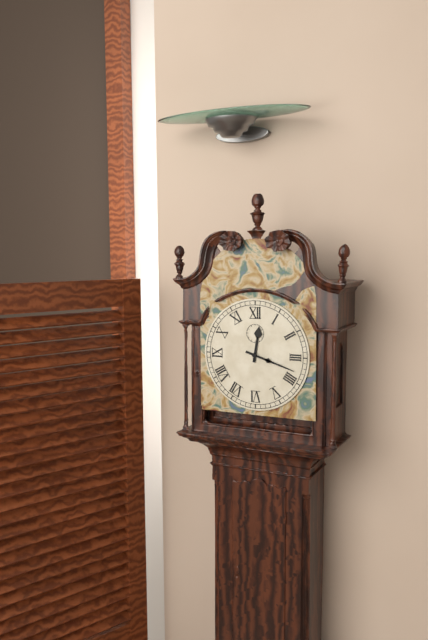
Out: h=12 m=18
